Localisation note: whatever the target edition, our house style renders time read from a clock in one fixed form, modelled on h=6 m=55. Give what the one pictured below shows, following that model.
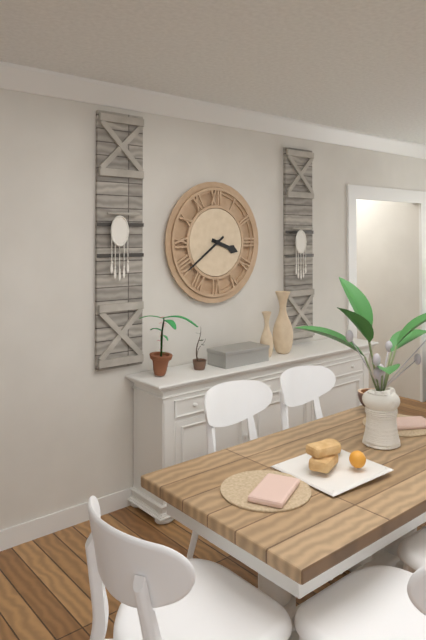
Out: h=3 m=39
